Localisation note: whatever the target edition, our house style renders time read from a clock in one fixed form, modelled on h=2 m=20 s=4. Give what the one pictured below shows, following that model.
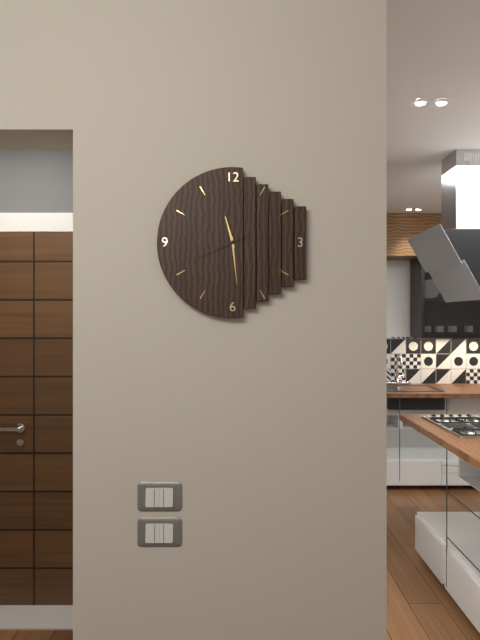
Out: h=11 m=29 s=41
